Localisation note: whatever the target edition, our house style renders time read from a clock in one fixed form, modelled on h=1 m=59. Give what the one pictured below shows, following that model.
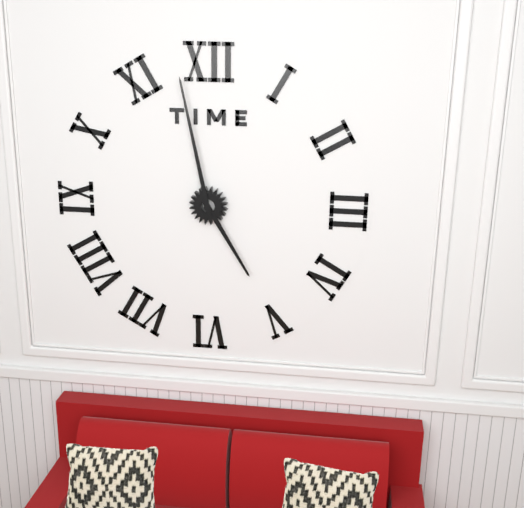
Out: h=4 m=58
